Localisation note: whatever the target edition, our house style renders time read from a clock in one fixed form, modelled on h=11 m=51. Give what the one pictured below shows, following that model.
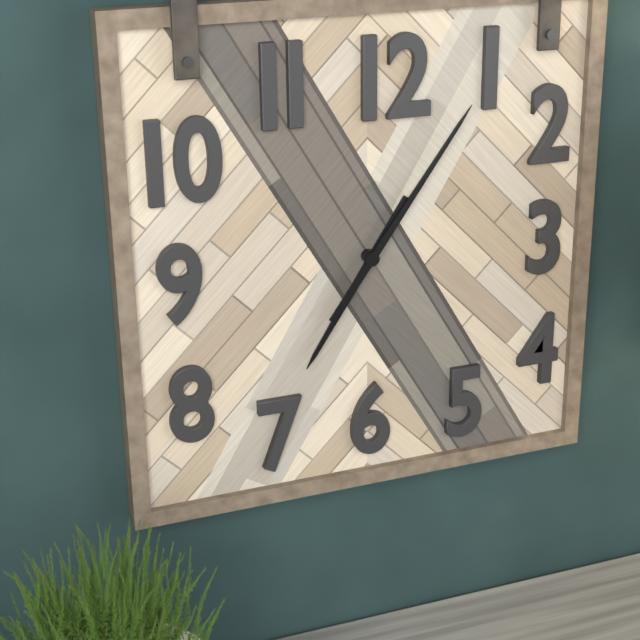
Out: h=7 m=6
